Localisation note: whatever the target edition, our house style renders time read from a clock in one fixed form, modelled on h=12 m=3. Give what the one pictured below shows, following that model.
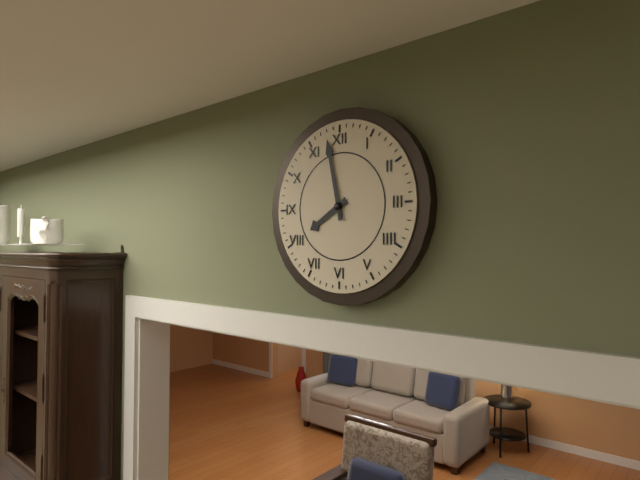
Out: h=7 m=58
